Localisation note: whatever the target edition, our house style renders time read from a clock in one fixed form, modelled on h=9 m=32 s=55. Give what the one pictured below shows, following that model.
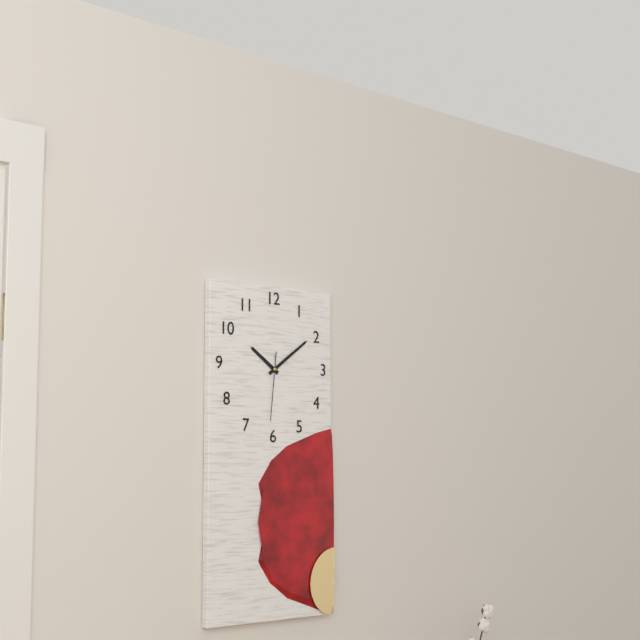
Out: h=10 m=9 s=31
